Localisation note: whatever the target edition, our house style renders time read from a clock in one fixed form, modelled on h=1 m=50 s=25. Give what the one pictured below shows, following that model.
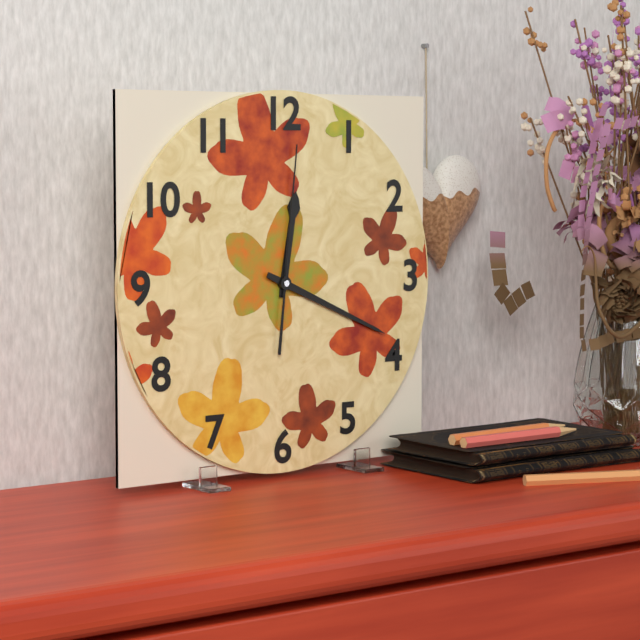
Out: h=12 m=19 s=1
